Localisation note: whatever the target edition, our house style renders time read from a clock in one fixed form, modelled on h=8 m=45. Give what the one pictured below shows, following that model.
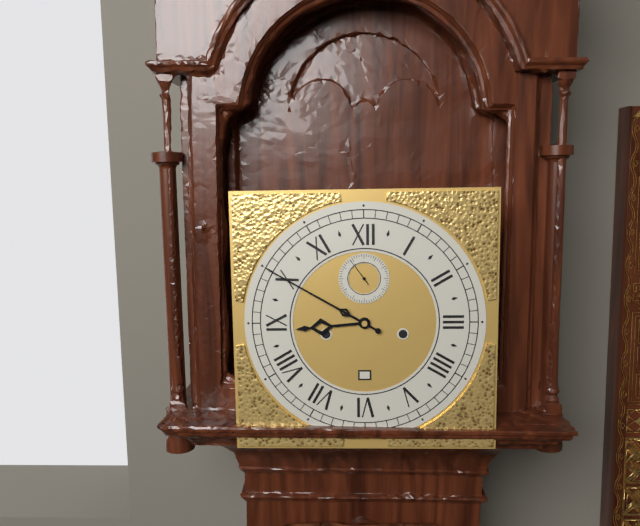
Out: h=8 m=50
